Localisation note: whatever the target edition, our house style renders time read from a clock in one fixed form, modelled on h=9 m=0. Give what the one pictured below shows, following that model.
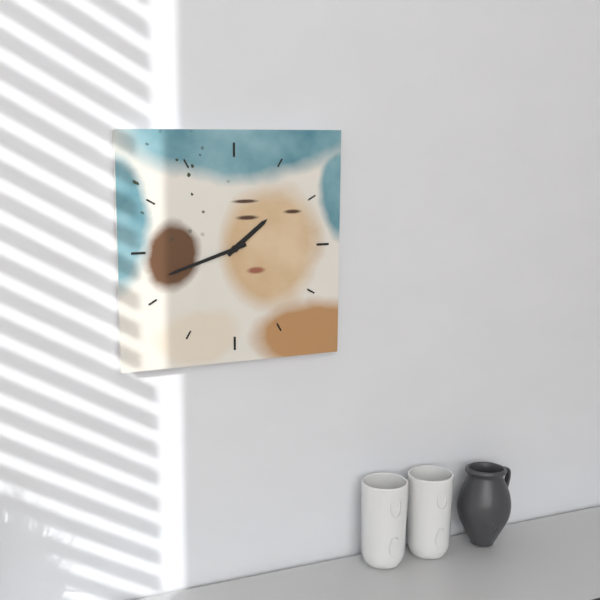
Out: h=1 m=42
